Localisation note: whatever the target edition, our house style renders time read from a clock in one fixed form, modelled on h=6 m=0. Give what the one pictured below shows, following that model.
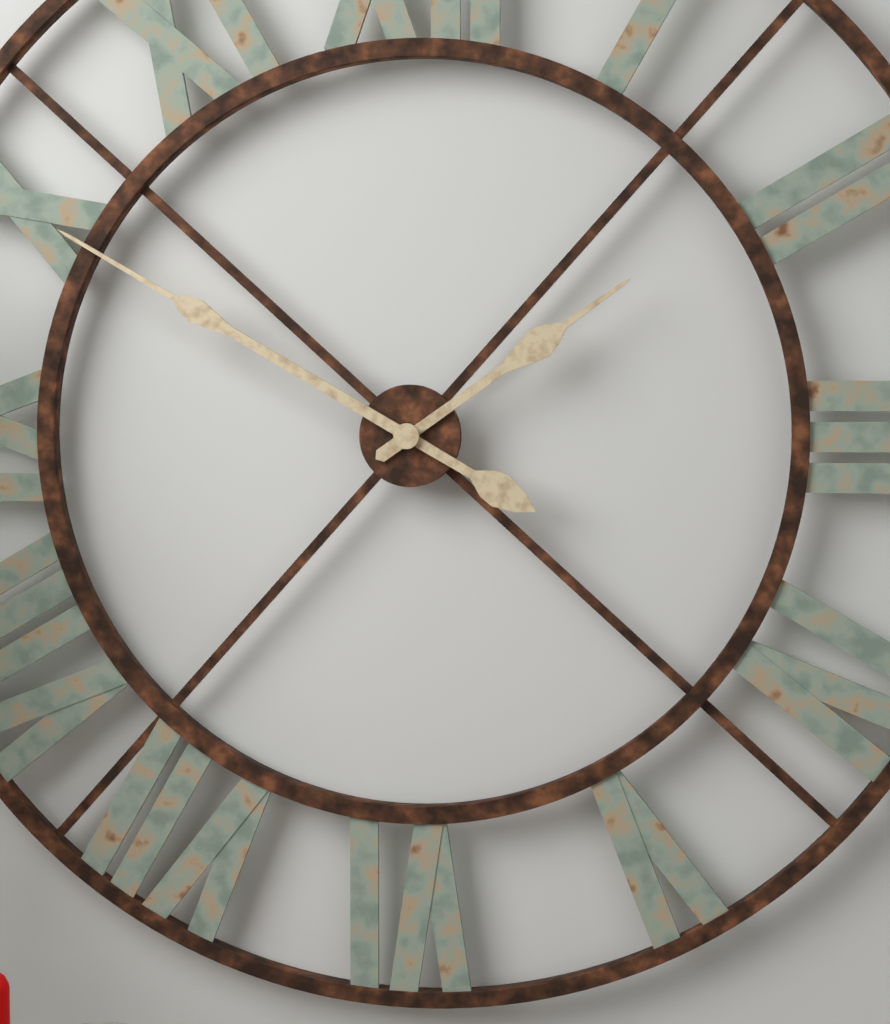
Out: h=1 m=50
